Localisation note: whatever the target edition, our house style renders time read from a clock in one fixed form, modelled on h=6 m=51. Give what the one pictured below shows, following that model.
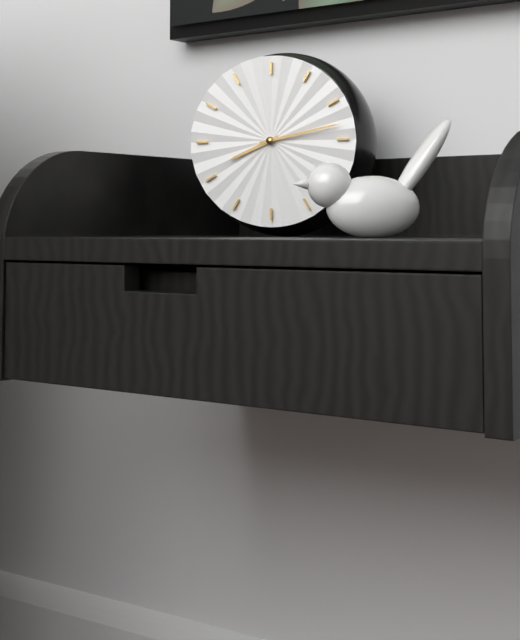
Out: h=8 m=13
